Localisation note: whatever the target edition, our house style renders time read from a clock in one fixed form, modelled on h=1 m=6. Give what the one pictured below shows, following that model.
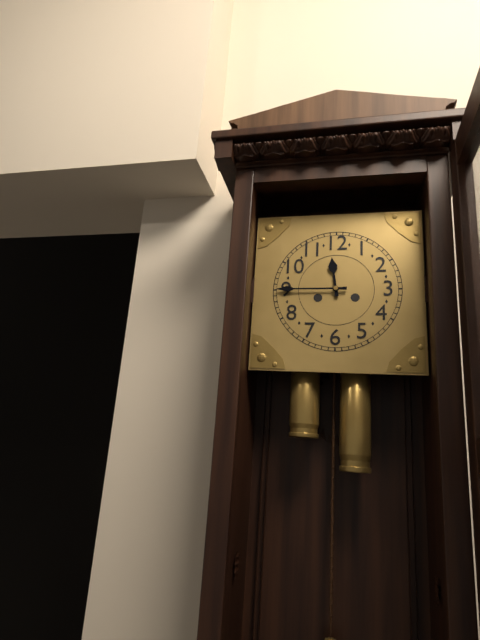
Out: h=11 m=45
